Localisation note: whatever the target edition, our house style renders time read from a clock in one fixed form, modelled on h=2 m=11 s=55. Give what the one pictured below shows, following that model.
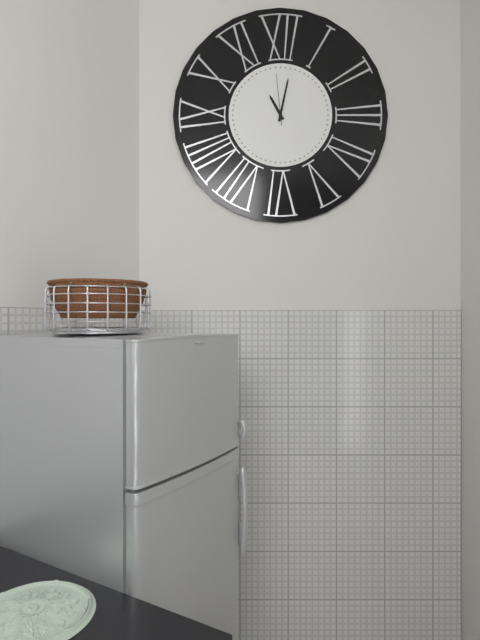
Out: h=11 m=2 s=59
